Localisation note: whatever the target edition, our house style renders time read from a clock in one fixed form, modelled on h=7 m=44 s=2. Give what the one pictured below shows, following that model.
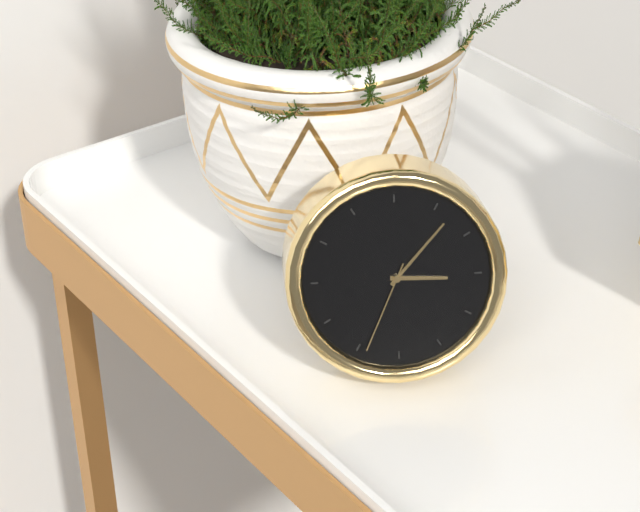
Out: h=3 m=7 s=34
